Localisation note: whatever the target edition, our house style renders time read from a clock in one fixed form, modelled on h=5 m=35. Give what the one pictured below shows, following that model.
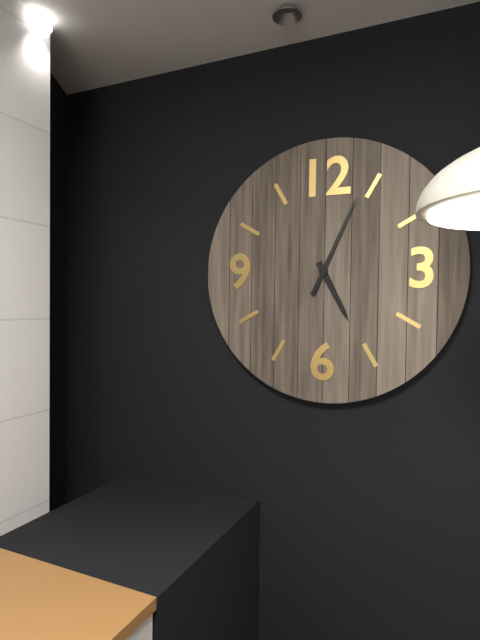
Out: h=5 m=4
